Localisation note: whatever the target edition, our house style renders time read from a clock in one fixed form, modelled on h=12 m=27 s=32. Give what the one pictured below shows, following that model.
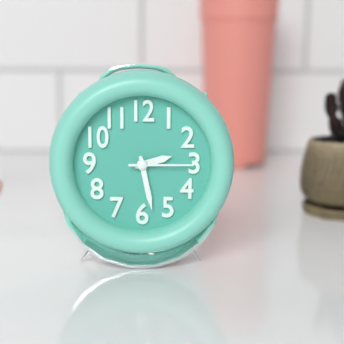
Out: h=2 m=28 s=15
